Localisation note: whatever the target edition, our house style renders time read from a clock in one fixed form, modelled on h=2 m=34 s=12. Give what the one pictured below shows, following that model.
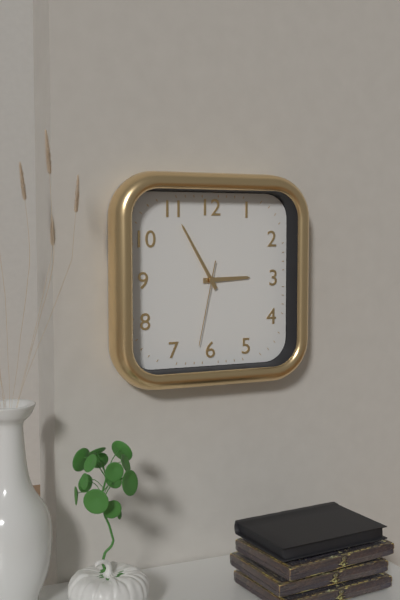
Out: h=2 m=55 s=32
